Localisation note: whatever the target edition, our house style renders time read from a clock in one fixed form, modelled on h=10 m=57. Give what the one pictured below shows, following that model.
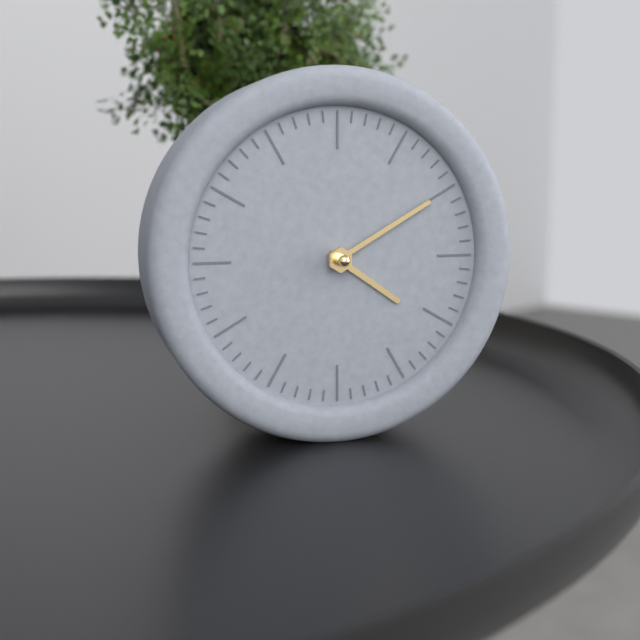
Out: h=4 m=10
